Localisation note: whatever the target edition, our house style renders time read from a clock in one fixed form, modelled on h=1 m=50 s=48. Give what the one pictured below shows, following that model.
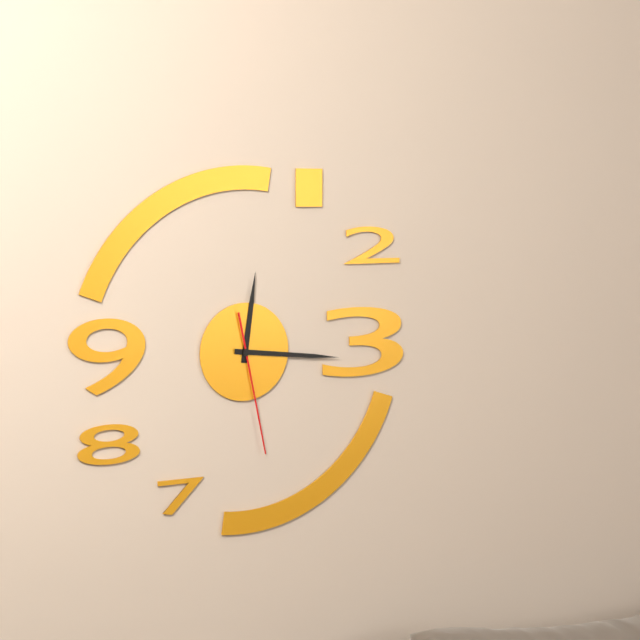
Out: h=12 m=16 s=28
